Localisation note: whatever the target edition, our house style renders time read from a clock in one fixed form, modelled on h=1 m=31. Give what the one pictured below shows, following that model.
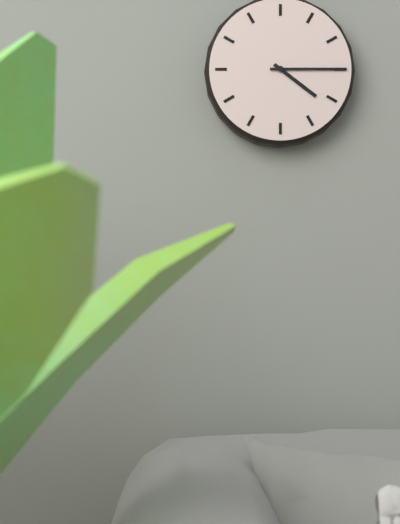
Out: h=4 m=15
